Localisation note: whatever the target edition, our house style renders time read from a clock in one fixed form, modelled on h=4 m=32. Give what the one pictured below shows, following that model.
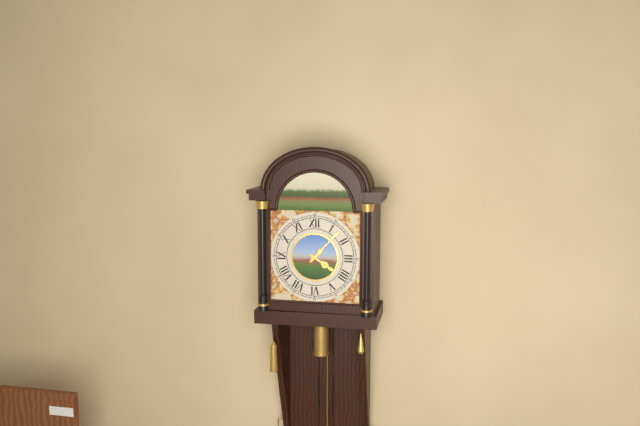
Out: h=4 m=7
